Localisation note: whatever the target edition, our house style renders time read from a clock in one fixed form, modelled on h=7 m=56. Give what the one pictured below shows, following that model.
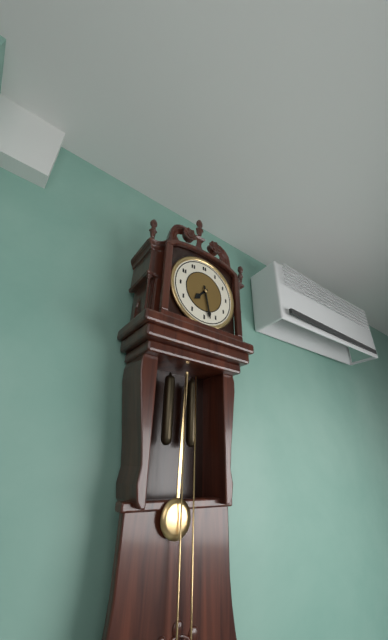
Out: h=7 m=28
